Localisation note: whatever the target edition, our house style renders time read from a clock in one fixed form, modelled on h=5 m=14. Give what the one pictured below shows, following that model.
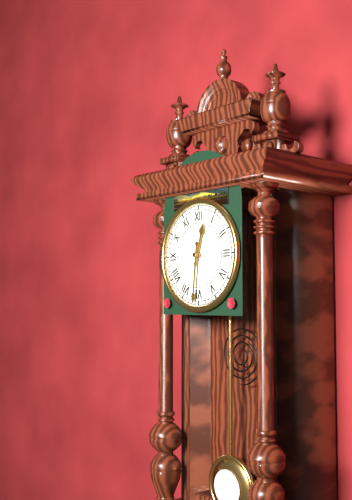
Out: h=12 m=31
